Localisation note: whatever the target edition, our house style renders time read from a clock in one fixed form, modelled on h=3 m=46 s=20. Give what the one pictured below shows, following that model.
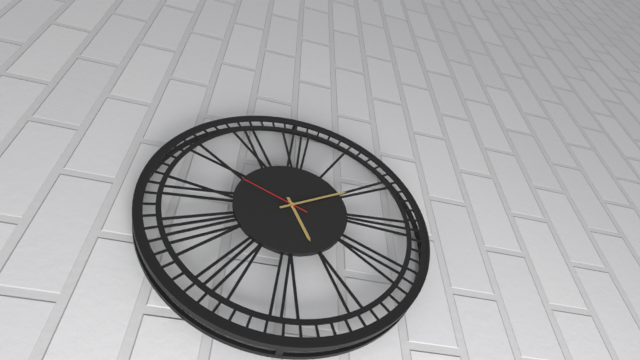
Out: h=5 m=10 s=49
